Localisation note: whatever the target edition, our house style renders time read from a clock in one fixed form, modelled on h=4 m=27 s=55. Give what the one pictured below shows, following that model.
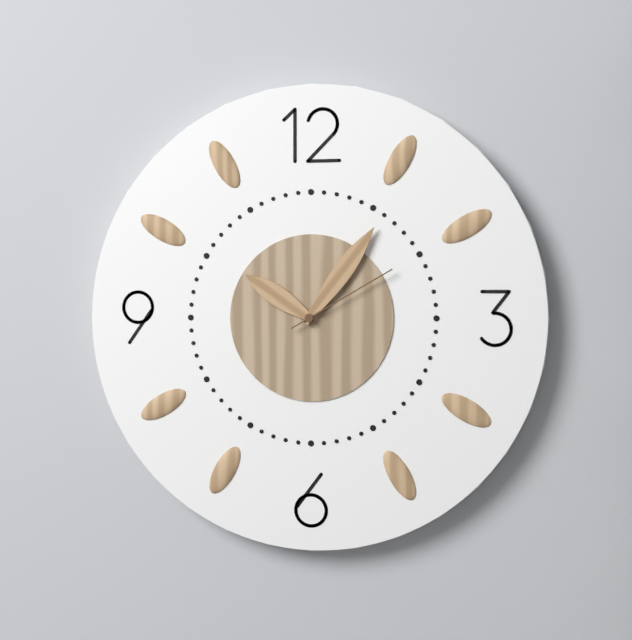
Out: h=10 m=6 s=10
